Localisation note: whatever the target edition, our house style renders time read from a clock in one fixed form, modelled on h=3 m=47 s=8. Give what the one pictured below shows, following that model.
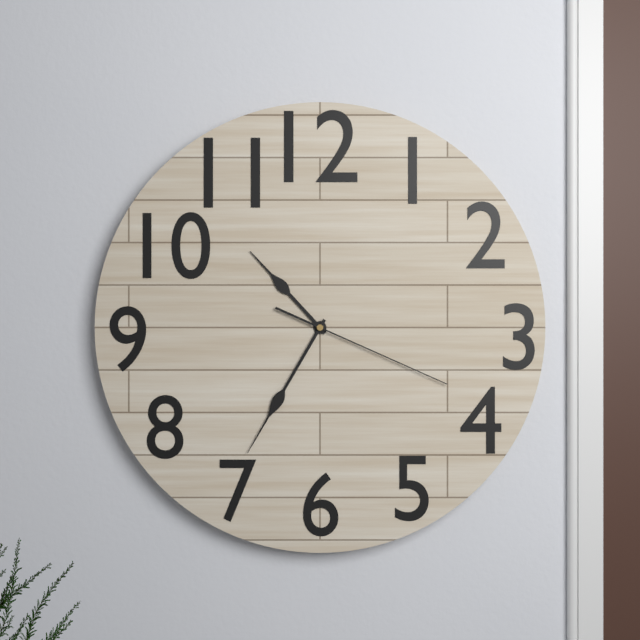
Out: h=10 m=35 s=19
